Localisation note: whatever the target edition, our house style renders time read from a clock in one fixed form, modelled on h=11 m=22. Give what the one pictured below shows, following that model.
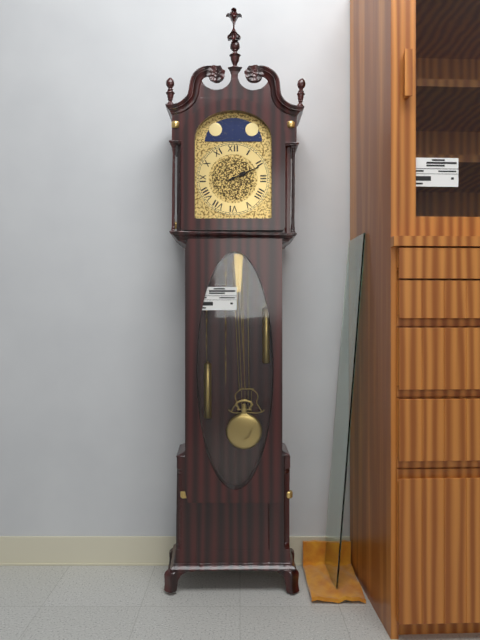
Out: h=2 m=11
